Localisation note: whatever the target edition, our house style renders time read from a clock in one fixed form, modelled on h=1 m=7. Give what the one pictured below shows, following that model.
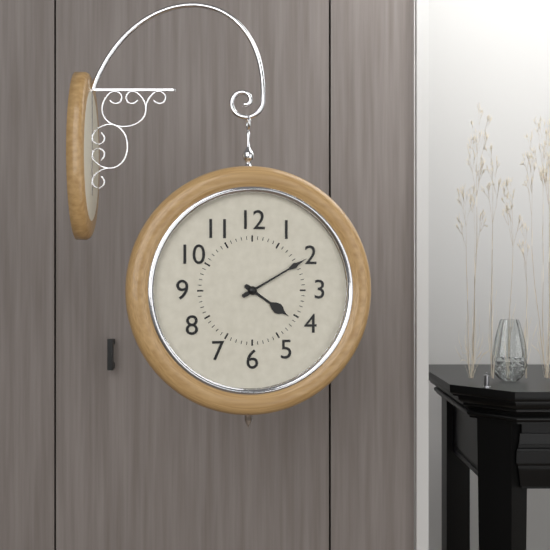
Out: h=4 m=10
